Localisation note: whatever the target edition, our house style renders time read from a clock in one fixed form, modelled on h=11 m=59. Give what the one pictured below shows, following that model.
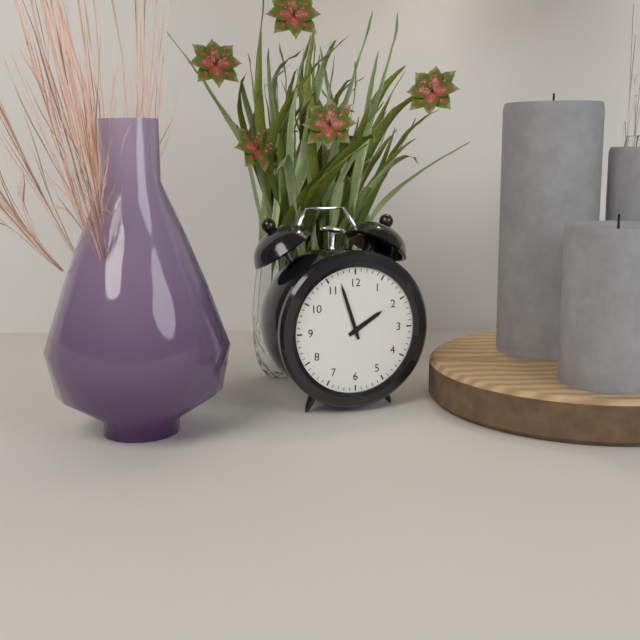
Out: h=1 m=57
